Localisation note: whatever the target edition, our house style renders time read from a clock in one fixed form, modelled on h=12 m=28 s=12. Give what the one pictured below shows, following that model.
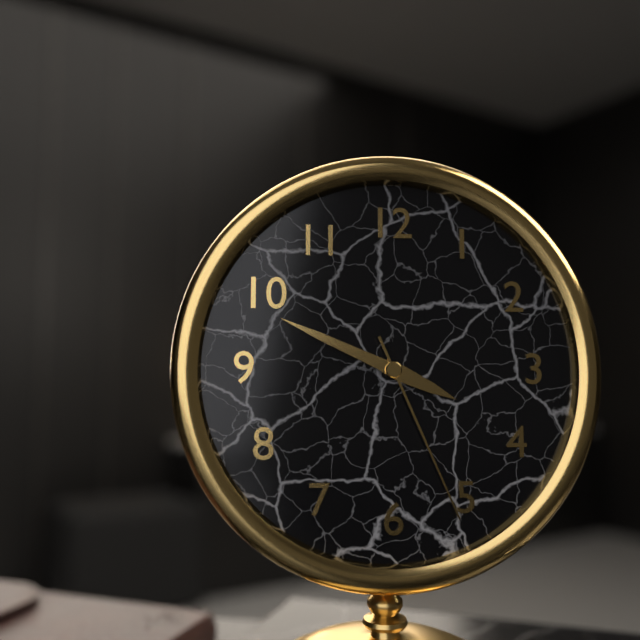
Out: h=3 m=49 s=26
